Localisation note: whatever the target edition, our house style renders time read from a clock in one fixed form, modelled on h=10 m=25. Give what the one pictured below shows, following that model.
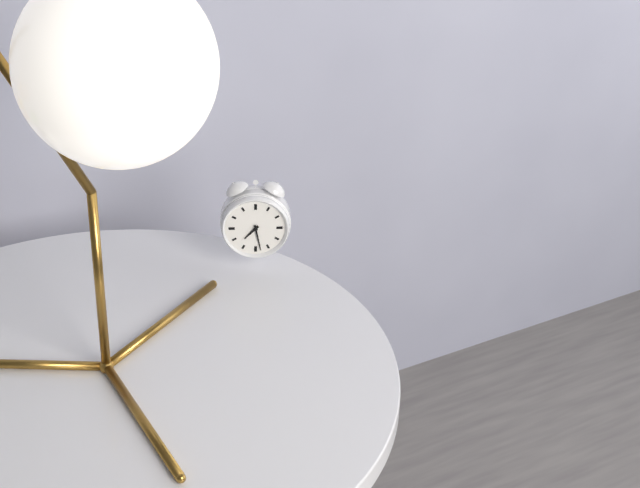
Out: h=7 m=28
